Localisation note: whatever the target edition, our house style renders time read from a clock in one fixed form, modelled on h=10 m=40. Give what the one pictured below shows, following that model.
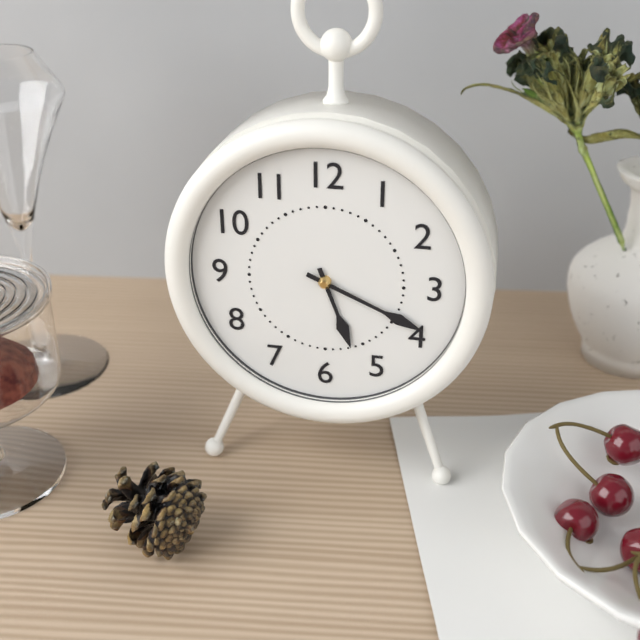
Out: h=5 m=19
